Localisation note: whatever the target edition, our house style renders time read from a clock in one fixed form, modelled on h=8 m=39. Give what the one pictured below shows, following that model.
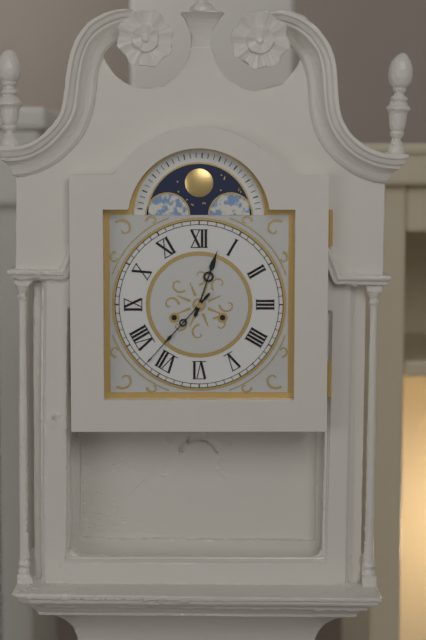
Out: h=12 m=37
